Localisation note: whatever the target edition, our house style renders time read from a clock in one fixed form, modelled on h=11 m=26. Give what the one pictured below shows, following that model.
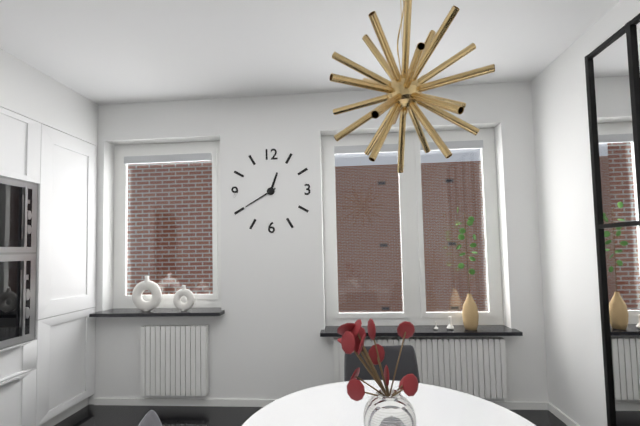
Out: h=12 m=40
